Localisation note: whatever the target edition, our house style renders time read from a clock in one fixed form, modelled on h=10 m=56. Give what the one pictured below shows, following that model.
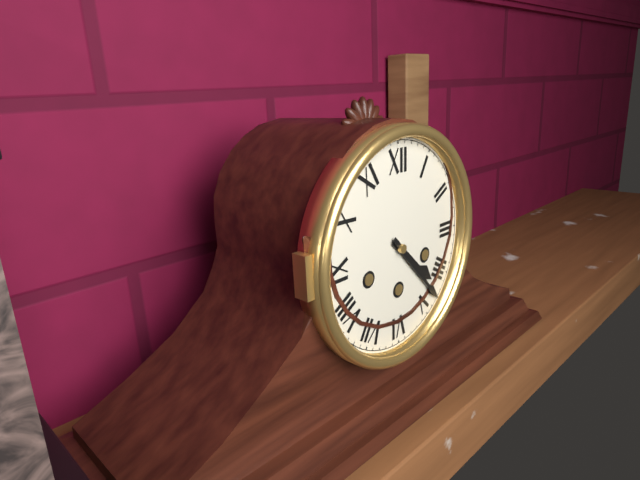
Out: h=4 m=23
